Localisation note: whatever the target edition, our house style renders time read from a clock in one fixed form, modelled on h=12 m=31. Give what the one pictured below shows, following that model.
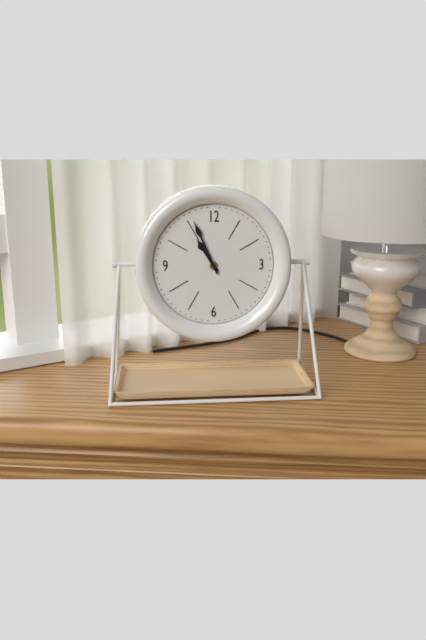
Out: h=10 m=56
